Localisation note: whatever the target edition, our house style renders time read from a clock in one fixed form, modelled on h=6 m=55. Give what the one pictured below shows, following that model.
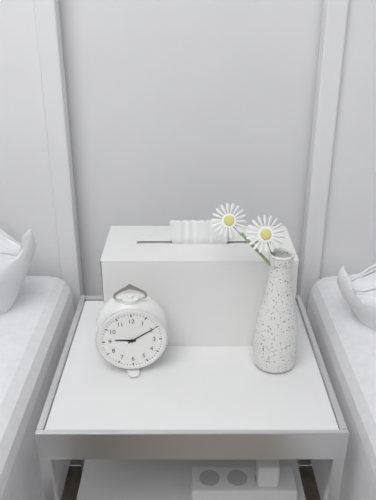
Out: h=9 m=10
